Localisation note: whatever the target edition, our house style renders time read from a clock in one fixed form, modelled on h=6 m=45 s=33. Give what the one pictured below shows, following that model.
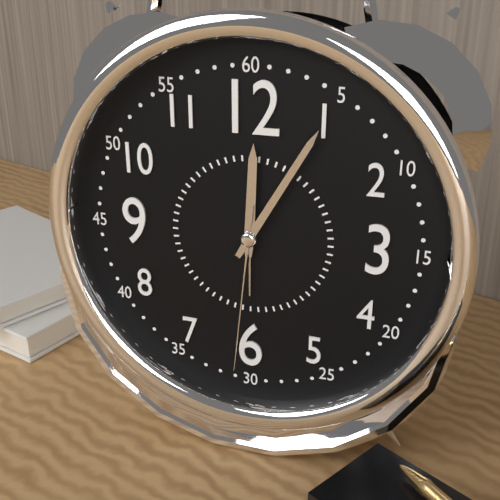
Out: h=12 m=5 s=31
